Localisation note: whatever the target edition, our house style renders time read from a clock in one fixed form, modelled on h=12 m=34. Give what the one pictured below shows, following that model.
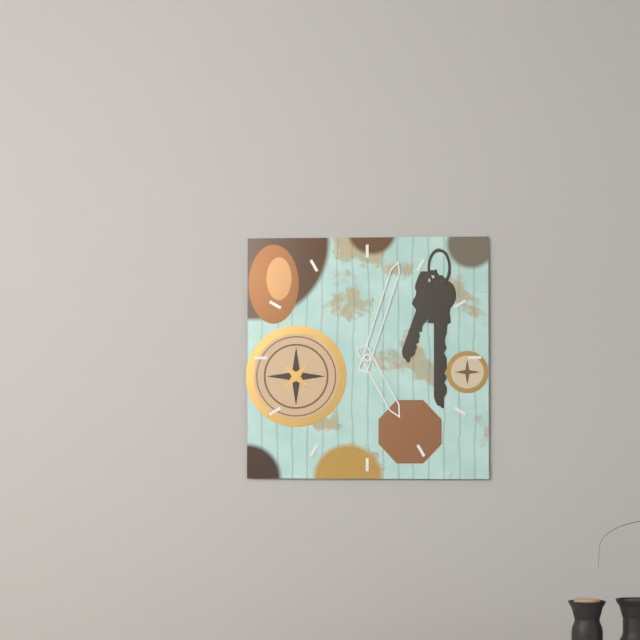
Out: h=5 m=3
